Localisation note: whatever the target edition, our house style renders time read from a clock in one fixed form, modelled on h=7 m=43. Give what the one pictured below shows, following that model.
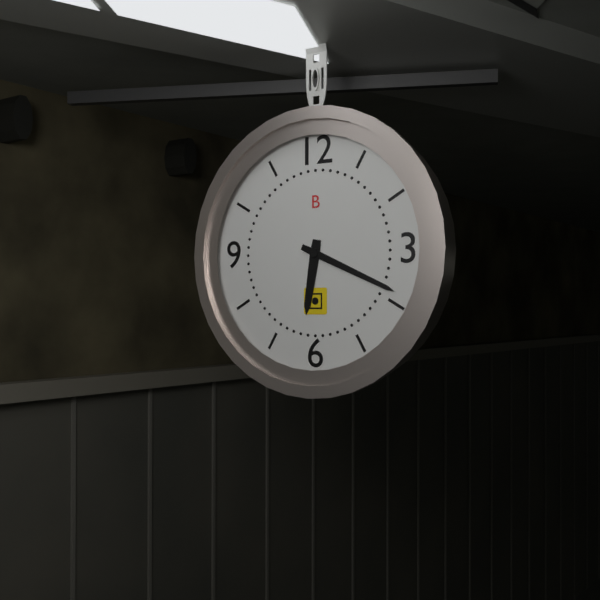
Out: h=6 m=19
